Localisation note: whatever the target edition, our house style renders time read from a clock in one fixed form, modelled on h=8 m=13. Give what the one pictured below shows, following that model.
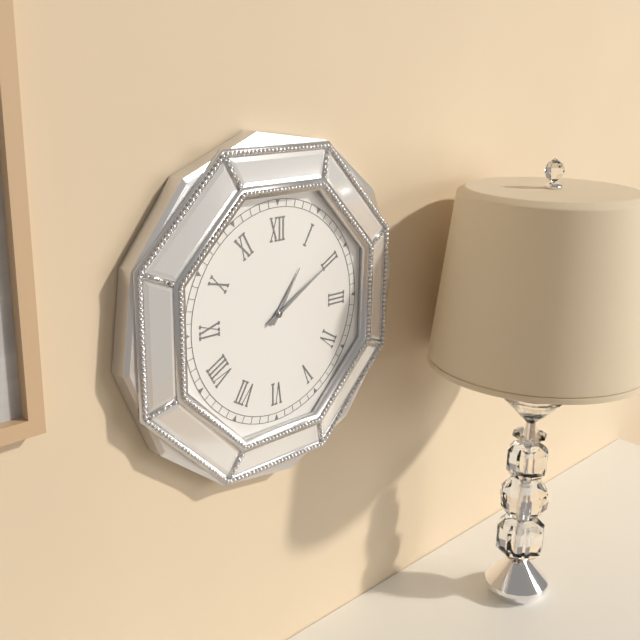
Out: h=1 m=10
